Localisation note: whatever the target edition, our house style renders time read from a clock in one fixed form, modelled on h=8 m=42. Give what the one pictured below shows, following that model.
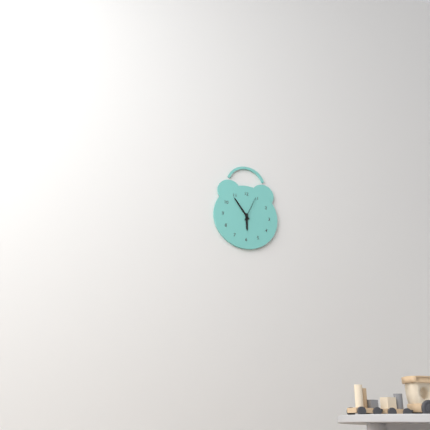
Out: h=5 m=54
